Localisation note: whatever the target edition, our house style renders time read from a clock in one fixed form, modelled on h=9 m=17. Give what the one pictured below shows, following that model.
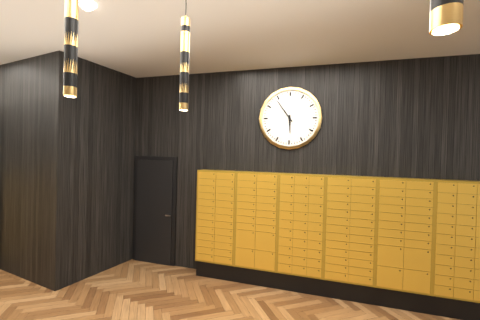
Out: h=5 m=54
